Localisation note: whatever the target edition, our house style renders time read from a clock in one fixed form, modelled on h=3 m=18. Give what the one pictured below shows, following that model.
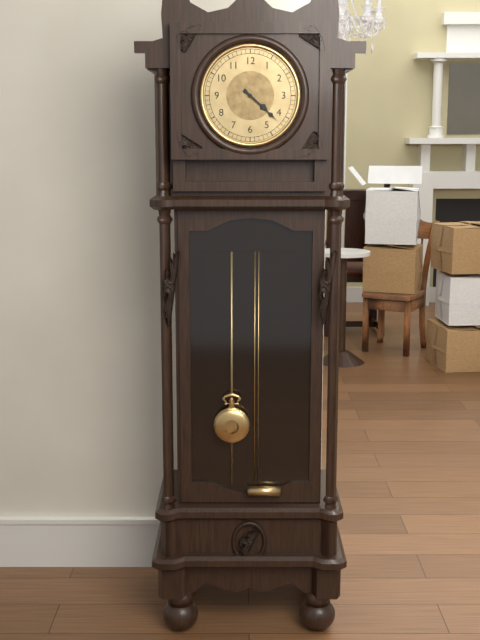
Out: h=4 m=22
